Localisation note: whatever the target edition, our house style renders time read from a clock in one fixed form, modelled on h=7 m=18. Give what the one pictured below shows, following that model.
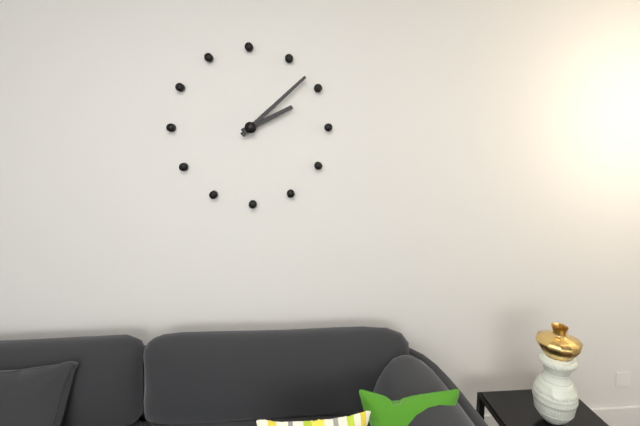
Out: h=2 m=8
